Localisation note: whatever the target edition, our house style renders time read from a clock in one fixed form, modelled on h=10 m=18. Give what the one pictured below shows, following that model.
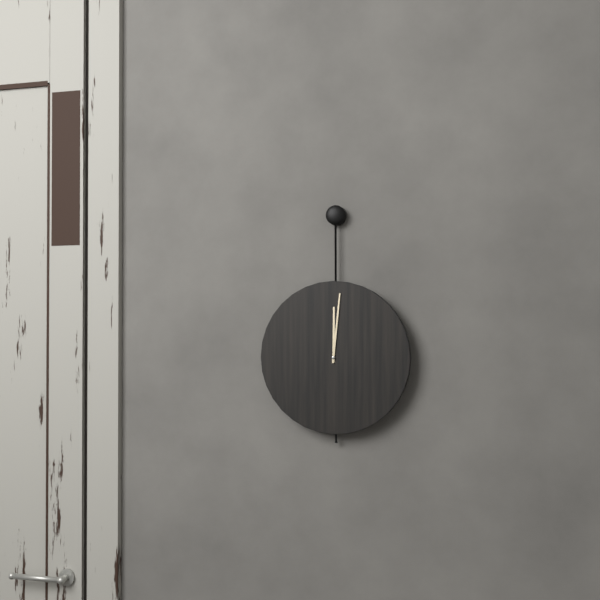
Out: h=12 m=1
